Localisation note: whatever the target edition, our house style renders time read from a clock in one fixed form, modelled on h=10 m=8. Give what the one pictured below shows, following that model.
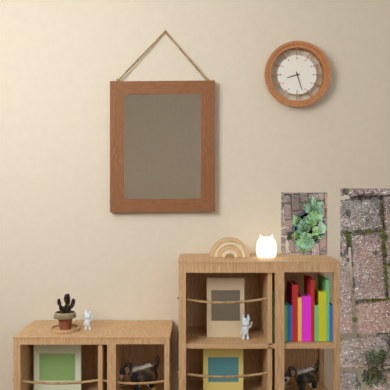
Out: h=8 m=27
